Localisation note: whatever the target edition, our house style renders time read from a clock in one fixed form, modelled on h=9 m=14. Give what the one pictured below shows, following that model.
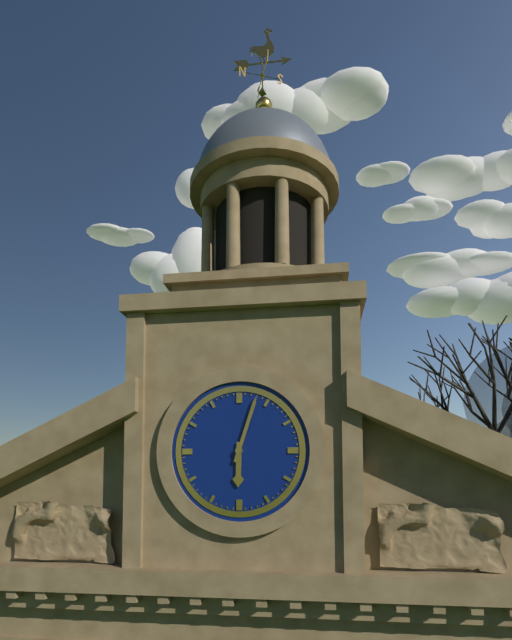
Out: h=6 m=3
